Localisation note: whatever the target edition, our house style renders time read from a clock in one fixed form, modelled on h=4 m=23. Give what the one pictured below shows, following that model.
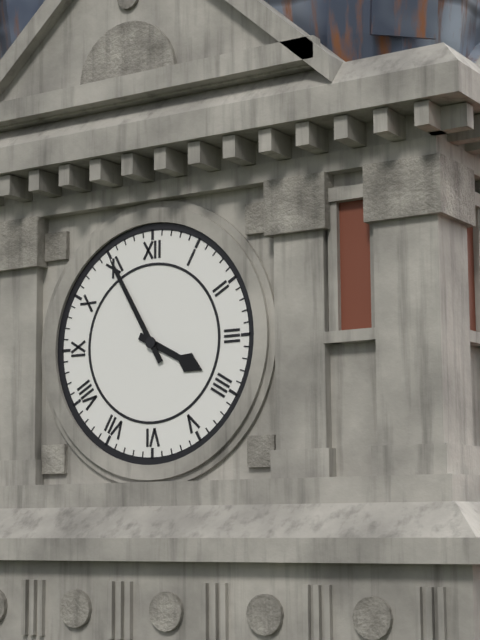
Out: h=3 m=55
